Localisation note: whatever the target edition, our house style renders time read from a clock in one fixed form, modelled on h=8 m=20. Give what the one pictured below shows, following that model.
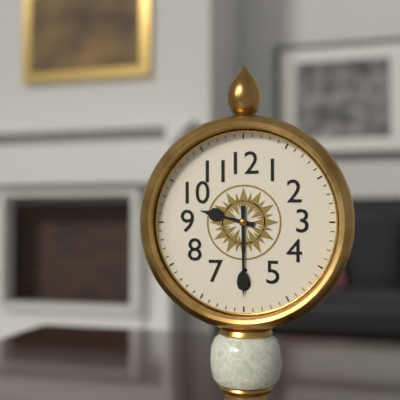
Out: h=9 m=30
